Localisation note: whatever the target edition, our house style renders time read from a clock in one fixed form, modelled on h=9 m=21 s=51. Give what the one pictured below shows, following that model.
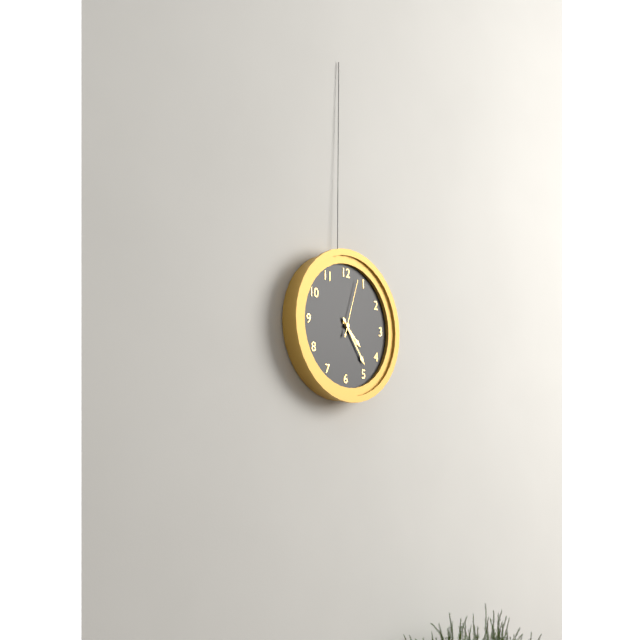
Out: h=4 m=24 s=3
